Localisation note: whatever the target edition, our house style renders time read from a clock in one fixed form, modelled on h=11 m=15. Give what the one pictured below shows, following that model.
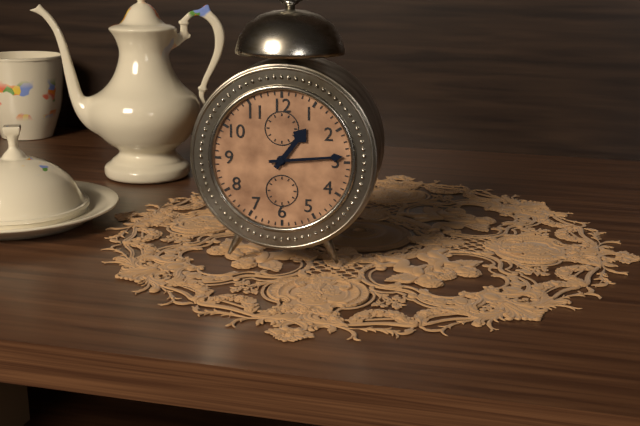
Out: h=1 m=14
